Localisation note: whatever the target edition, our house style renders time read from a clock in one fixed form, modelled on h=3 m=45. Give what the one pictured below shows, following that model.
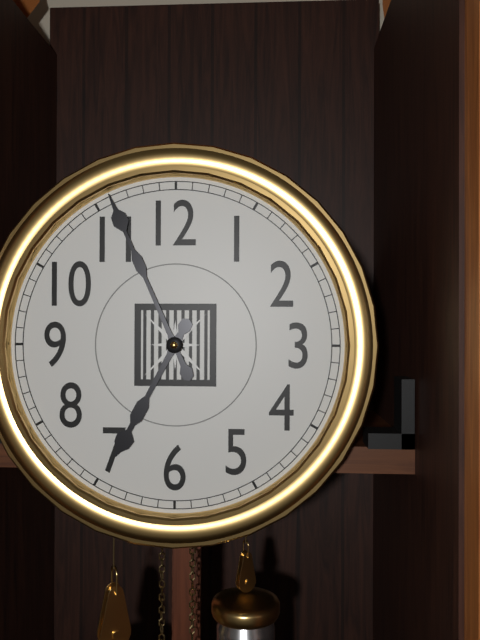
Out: h=6 m=56
